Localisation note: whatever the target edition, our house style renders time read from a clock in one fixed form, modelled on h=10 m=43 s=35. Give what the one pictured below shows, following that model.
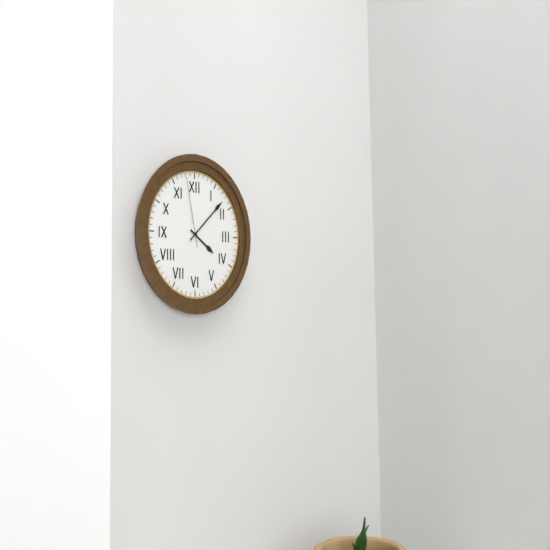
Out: h=4 m=8 s=58
